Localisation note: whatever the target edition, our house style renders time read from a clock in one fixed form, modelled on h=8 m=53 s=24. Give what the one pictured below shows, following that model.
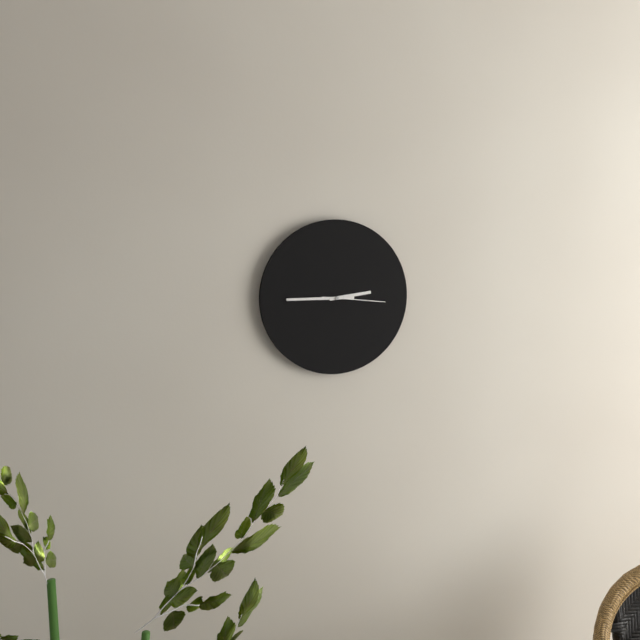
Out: h=2 m=45 s=16
